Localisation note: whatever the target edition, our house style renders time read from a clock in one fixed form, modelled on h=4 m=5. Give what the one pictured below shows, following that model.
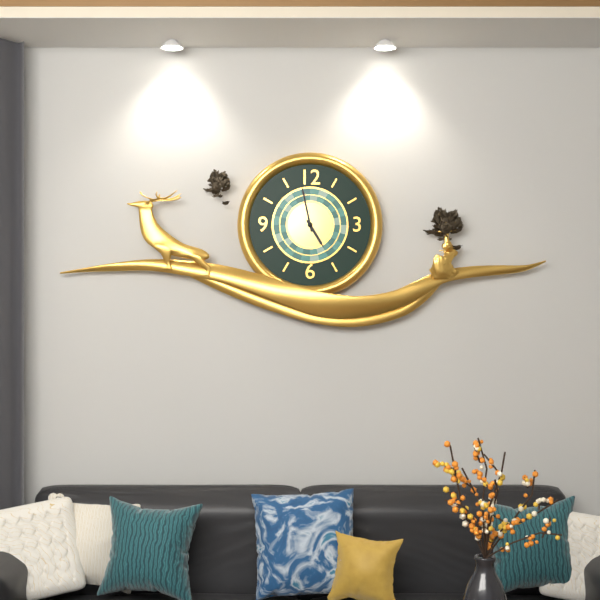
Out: h=4 m=58
